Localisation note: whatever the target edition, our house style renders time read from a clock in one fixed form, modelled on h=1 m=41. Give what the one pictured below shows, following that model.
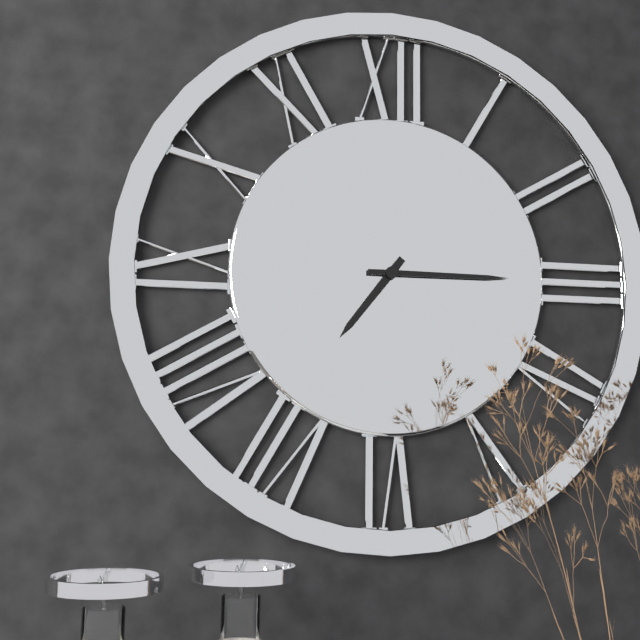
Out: h=7 m=15
